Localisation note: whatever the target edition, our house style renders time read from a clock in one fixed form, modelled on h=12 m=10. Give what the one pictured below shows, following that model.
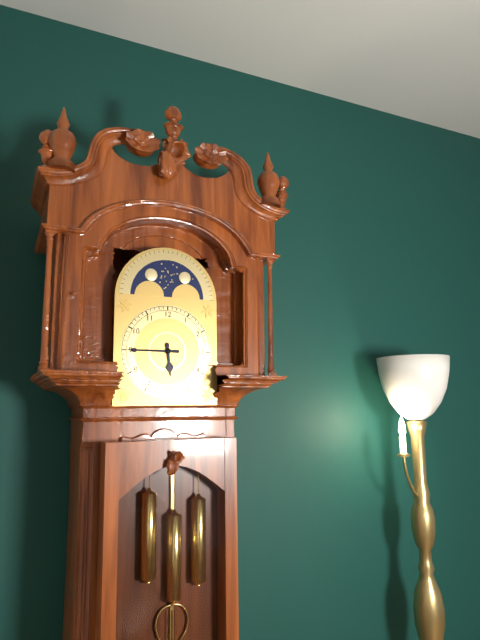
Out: h=5 m=45
